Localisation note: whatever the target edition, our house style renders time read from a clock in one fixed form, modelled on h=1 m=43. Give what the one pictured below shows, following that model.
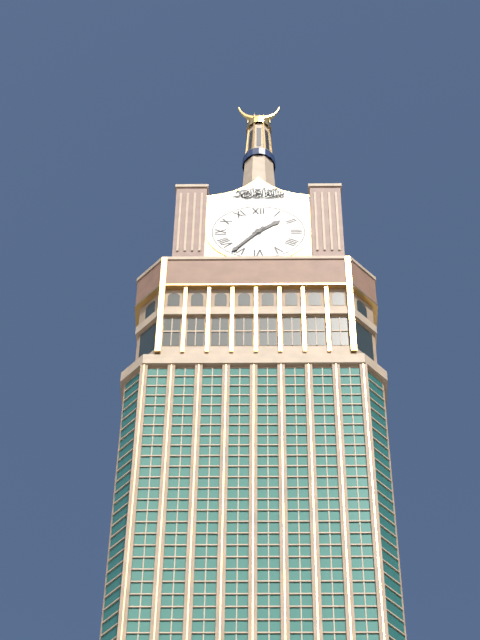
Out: h=1 m=36
